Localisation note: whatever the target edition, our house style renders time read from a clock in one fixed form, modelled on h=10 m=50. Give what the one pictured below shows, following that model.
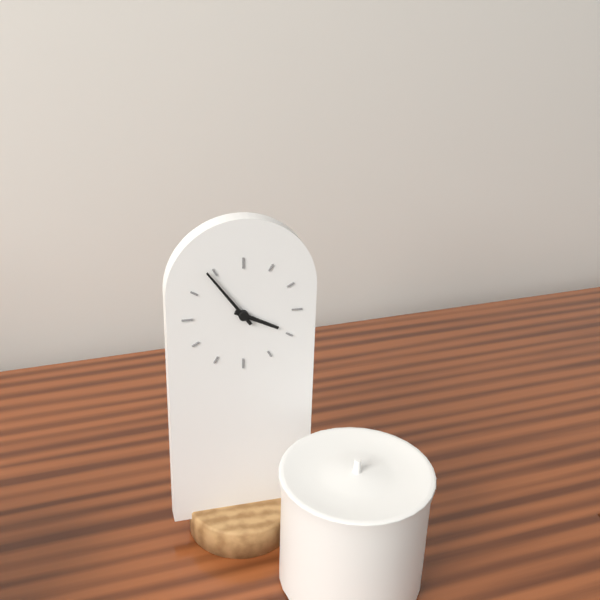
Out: h=3 m=54
